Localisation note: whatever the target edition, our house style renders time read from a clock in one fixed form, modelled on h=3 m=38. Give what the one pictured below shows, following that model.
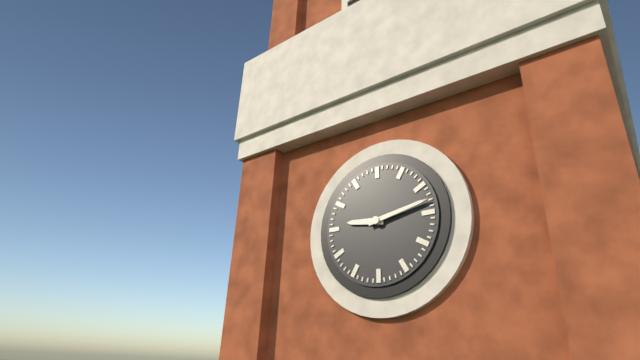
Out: h=9 m=13
